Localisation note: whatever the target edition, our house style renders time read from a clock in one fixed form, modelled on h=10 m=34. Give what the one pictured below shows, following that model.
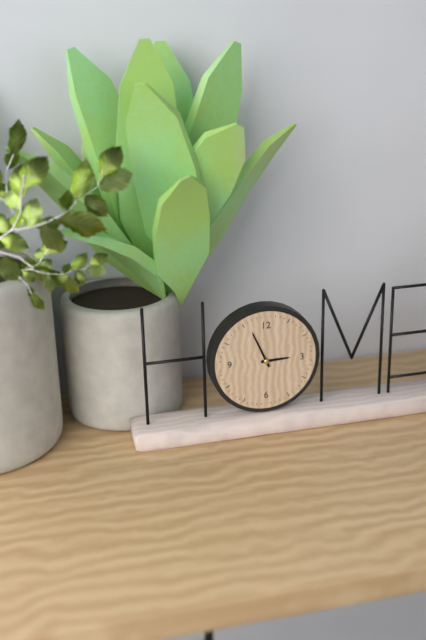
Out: h=2 m=56
